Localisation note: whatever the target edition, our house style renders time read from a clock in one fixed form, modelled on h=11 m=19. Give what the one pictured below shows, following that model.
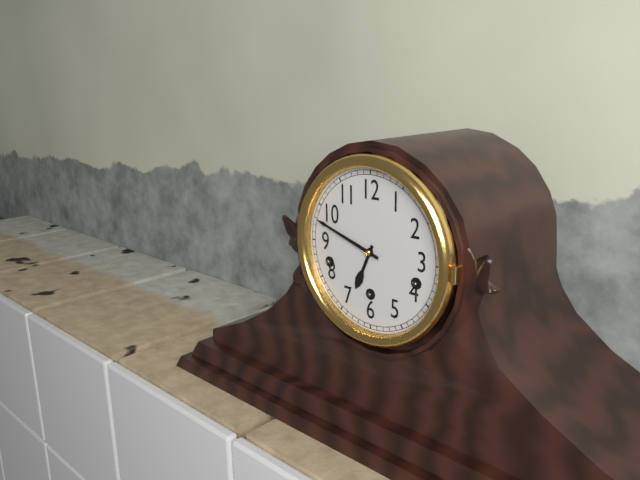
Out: h=6 m=48
